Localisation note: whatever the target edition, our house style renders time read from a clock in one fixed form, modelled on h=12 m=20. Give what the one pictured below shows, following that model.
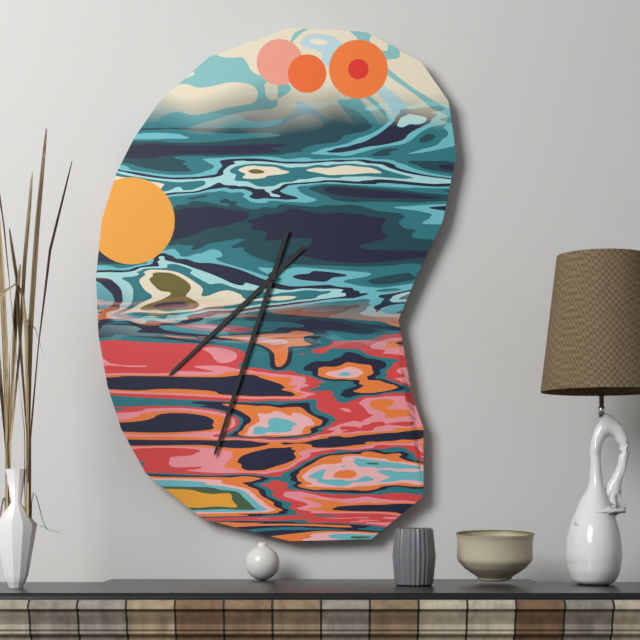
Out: h=7 m=33
